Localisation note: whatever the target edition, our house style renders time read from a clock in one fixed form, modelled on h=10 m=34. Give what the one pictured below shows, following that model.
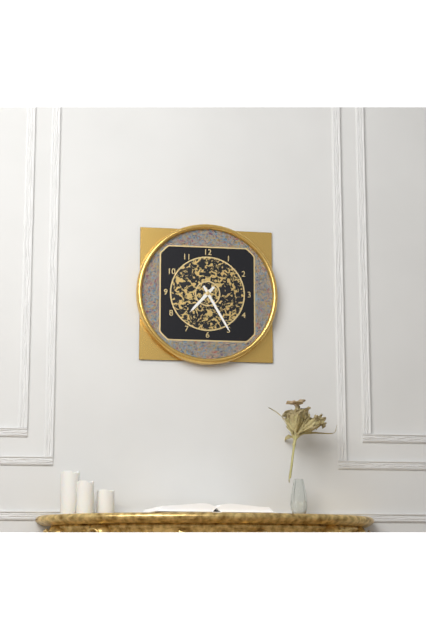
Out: h=7 m=25
